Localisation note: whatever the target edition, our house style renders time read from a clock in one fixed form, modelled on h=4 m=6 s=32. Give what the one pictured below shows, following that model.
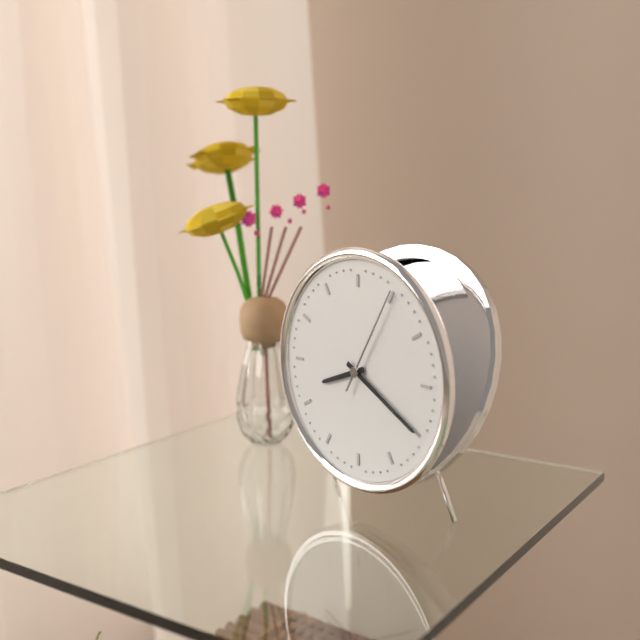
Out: h=8 m=20 s=5
